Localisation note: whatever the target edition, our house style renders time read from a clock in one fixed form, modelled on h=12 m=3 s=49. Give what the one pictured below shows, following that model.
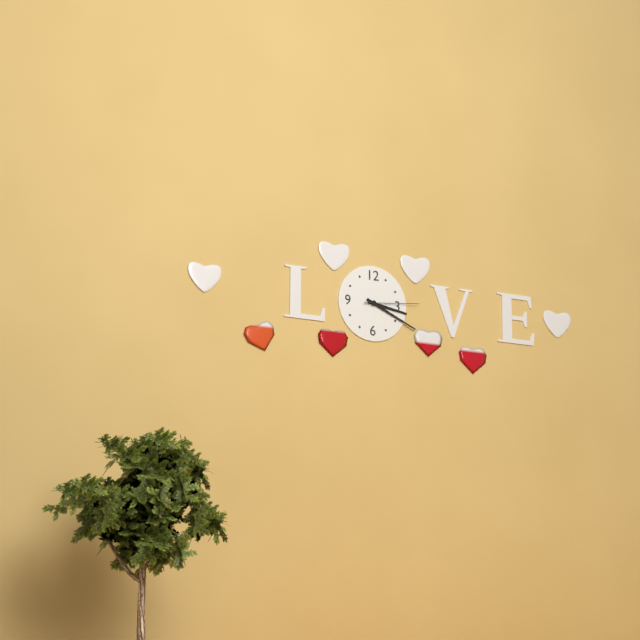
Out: h=3 m=19 s=14
